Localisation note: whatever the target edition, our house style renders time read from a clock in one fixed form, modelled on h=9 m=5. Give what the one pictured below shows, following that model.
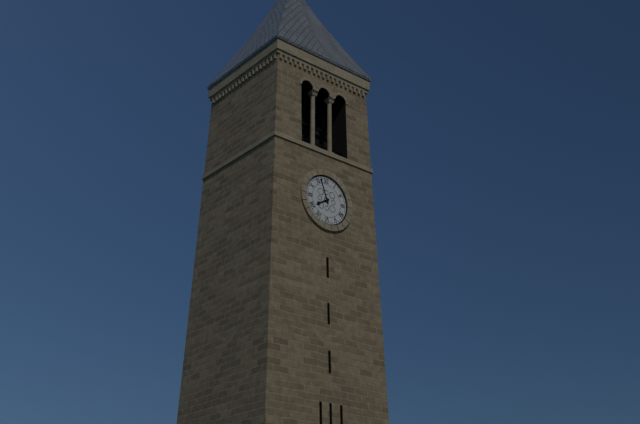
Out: h=7 m=57
